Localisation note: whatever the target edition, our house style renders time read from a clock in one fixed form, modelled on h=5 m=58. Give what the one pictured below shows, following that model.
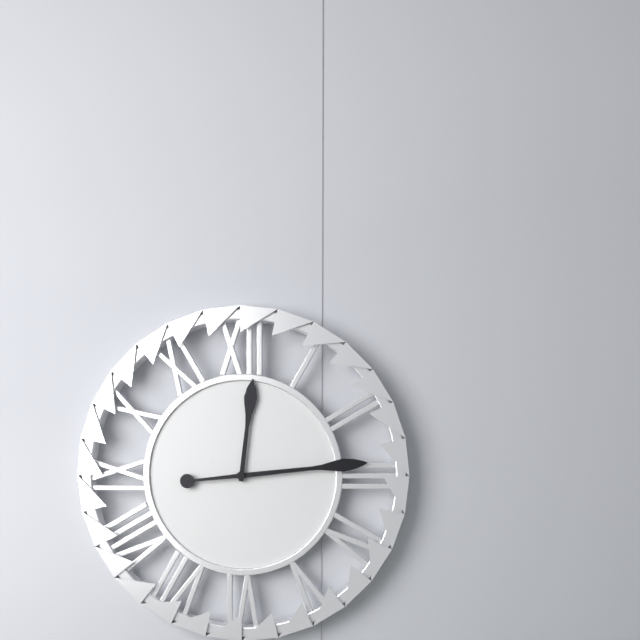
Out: h=12 m=14
